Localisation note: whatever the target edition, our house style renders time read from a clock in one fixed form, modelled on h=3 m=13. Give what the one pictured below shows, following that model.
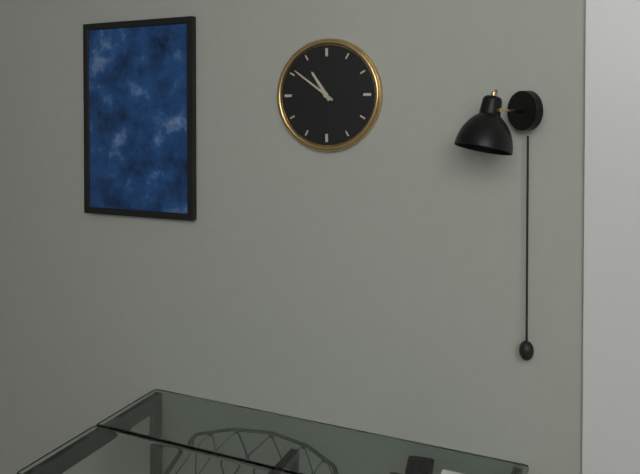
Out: h=10 m=51
